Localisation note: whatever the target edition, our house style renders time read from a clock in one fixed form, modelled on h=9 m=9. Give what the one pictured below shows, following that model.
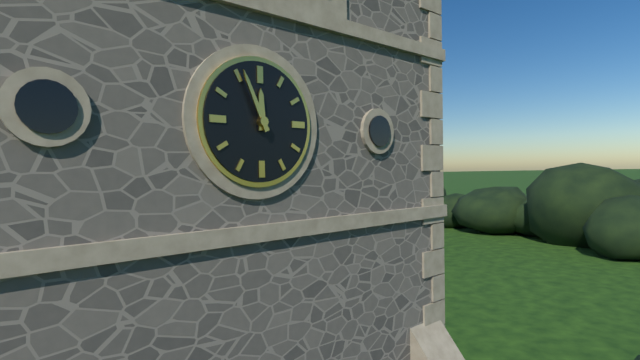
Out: h=11 m=56
